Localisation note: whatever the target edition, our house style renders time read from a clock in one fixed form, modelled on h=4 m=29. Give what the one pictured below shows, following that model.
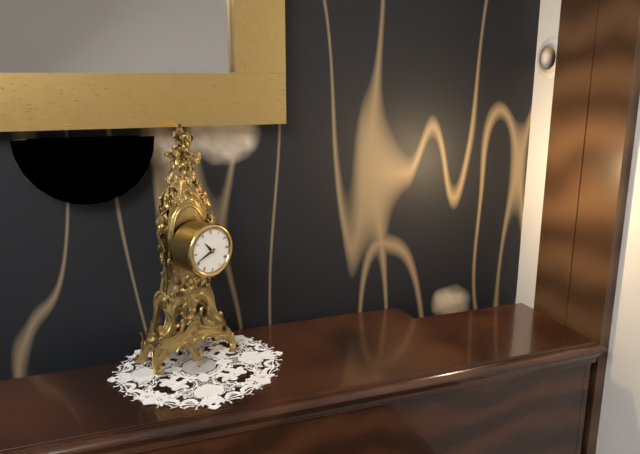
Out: h=10 m=41
